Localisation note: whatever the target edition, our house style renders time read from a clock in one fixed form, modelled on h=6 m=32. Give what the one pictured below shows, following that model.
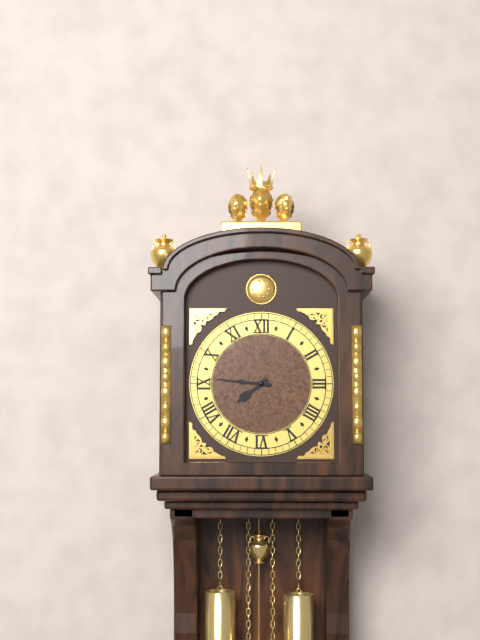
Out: h=7 m=46
